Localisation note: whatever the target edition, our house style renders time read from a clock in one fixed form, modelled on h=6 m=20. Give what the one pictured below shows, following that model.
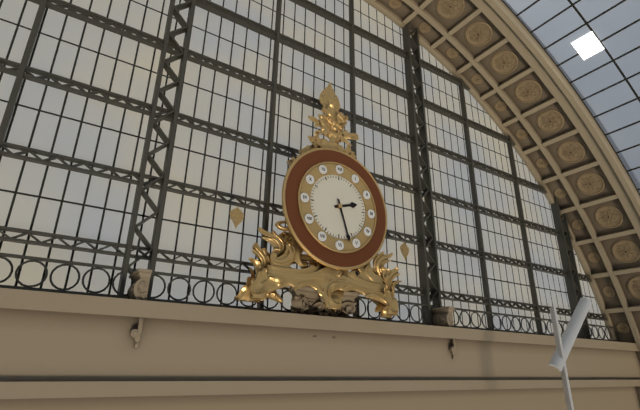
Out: h=2 m=27
